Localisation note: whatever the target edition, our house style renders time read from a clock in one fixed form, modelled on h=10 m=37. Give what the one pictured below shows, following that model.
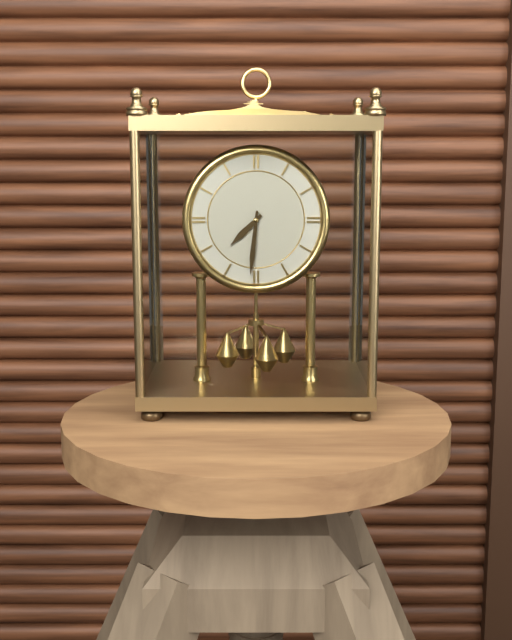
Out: h=7 m=31
